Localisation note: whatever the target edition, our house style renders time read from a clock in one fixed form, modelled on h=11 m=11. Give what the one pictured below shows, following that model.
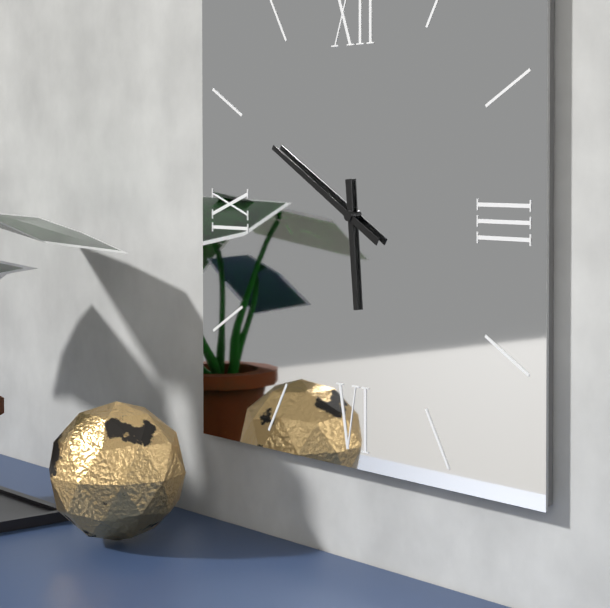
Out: h=5 m=50
